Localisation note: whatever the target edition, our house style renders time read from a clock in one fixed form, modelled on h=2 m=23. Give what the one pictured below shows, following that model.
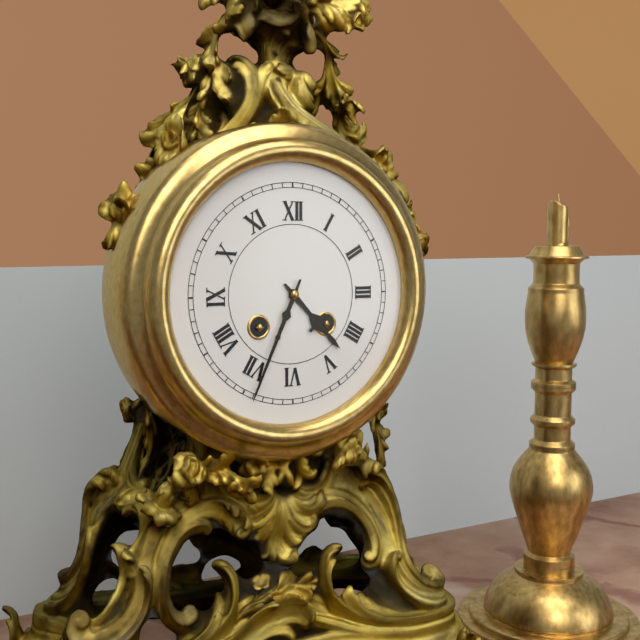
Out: h=4 m=34
